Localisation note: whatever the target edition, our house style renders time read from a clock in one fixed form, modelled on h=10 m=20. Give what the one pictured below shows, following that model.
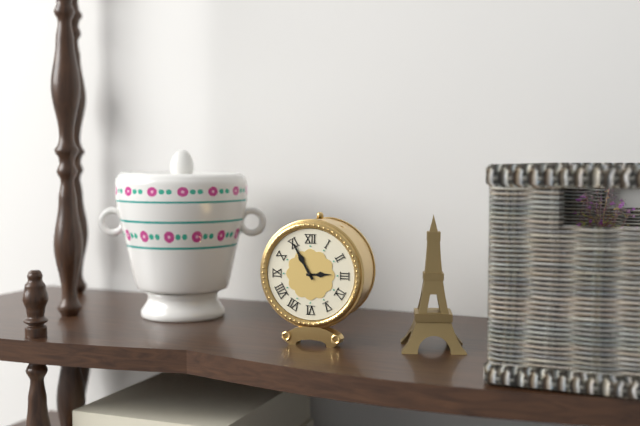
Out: h=2 m=55
